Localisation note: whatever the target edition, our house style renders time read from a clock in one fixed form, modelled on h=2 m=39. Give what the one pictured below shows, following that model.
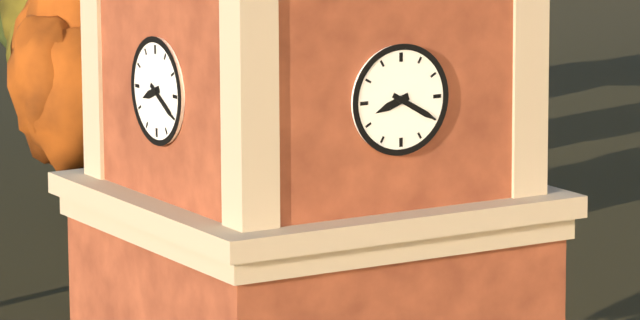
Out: h=8 m=20
